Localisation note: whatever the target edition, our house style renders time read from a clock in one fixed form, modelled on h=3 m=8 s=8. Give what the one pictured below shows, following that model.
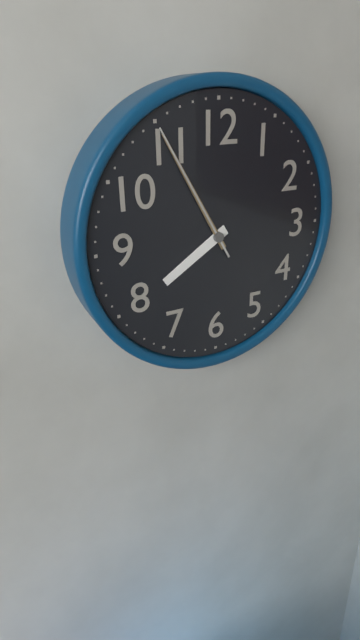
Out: h=7 m=55 s=55
